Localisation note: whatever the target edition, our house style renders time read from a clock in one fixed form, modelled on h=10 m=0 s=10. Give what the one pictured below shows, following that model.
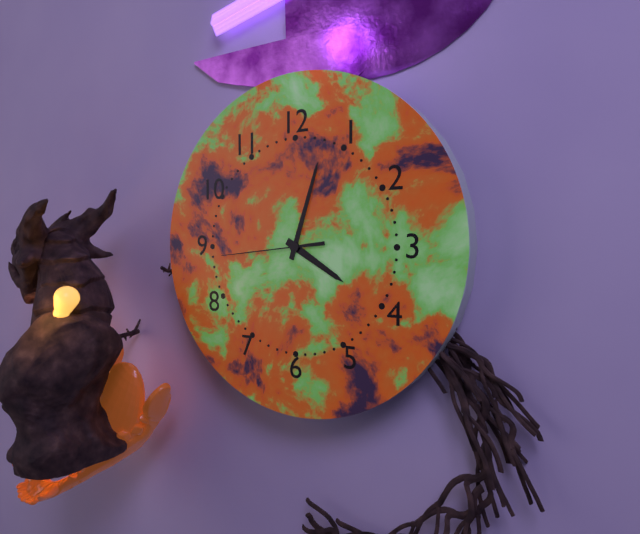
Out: h=4 m=3 s=44
